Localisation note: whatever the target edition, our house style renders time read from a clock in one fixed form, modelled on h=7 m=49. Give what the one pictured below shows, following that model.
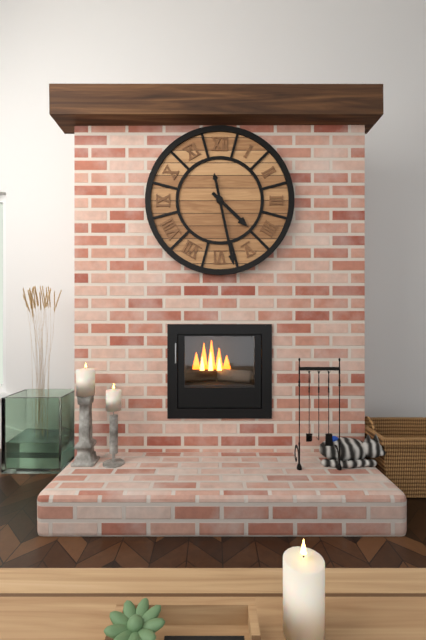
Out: h=4 m=28
